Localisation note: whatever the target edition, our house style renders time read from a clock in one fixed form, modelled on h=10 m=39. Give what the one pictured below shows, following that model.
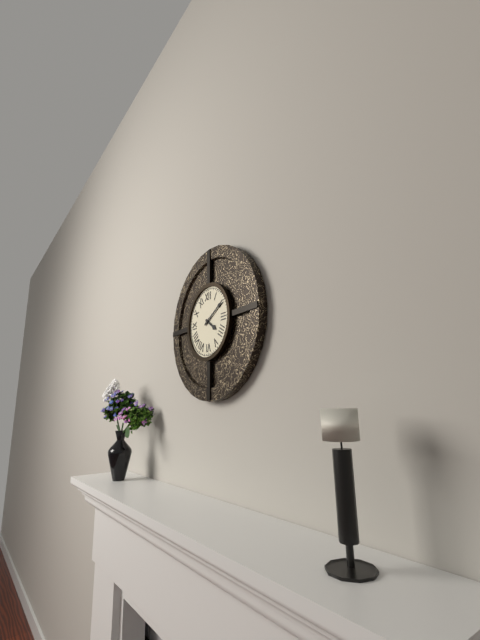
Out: h=4 m=10
